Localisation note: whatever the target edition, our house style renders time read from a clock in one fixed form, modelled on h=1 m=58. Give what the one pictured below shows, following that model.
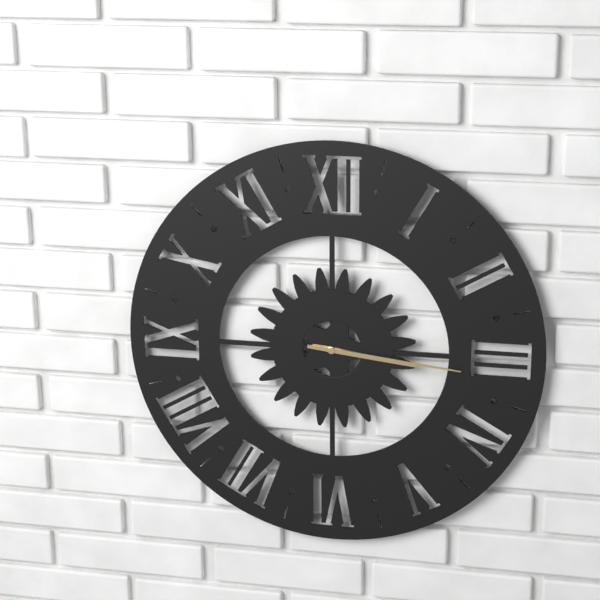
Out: h=3 m=16
